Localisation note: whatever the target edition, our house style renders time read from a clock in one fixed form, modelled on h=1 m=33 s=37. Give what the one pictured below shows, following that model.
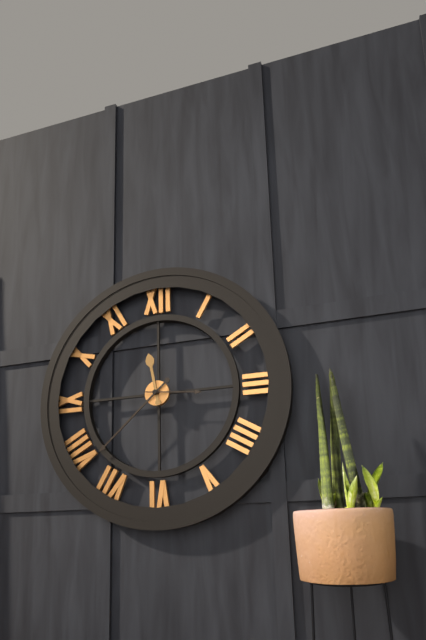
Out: h=11 m=38 s=16
